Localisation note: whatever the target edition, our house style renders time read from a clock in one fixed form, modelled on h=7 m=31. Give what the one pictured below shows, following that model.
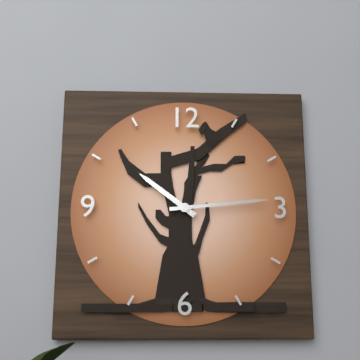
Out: h=10 m=14
